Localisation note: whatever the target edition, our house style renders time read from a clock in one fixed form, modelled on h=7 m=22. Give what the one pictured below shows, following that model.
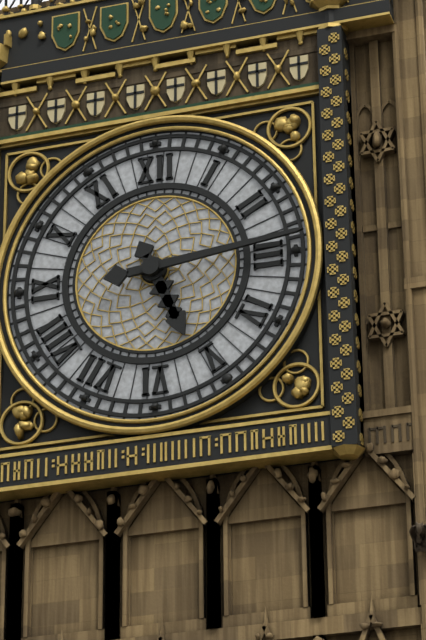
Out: h=5 m=14
